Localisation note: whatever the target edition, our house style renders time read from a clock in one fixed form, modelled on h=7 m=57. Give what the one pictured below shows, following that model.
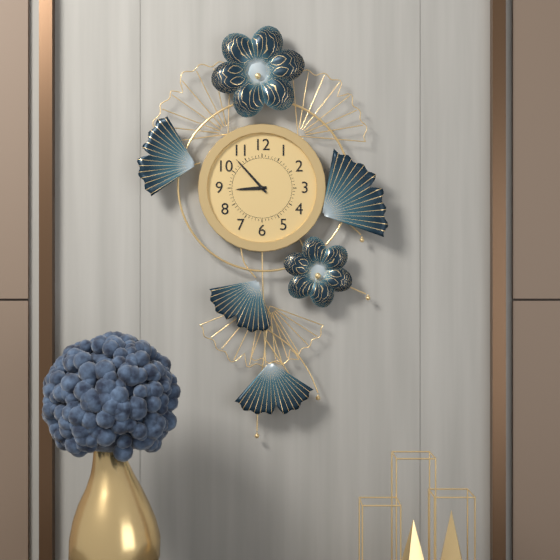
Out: h=8 m=53
